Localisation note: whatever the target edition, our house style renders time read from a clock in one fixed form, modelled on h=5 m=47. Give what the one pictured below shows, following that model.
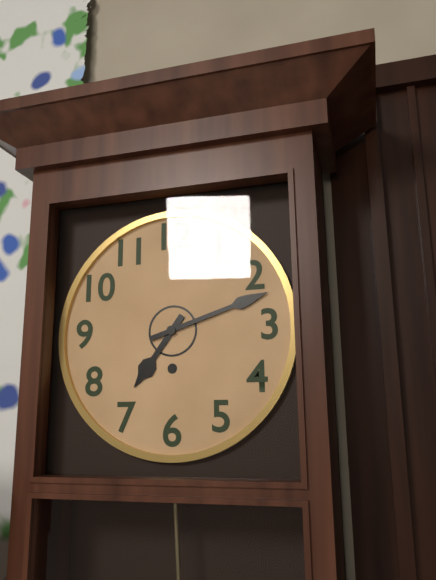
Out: h=7 m=12
